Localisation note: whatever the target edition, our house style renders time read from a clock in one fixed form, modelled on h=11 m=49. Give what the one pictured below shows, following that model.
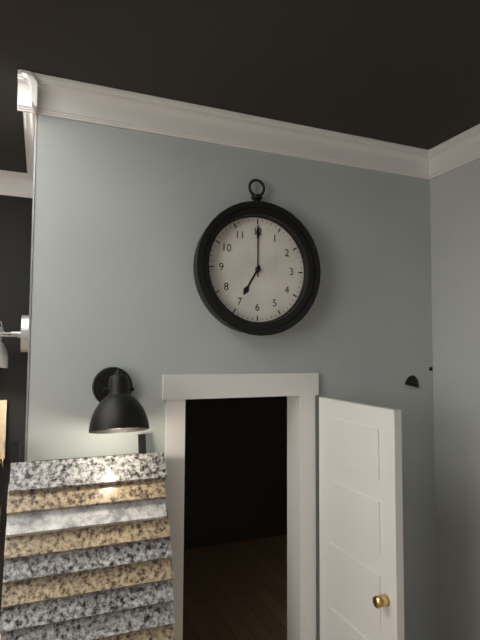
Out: h=7 m=0
